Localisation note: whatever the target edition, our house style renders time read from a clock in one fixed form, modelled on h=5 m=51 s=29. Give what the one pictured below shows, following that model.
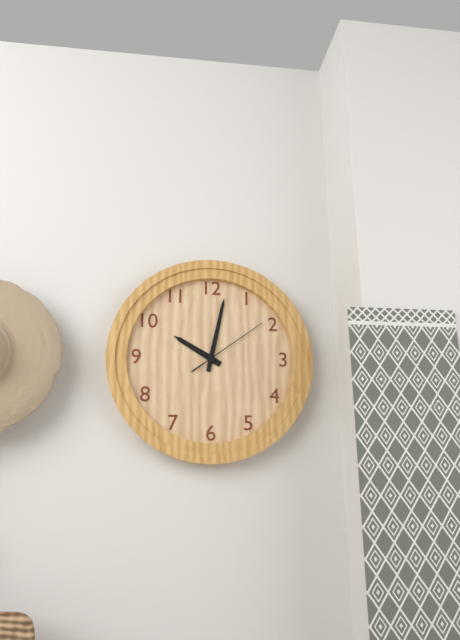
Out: h=10 m=2 s=9
